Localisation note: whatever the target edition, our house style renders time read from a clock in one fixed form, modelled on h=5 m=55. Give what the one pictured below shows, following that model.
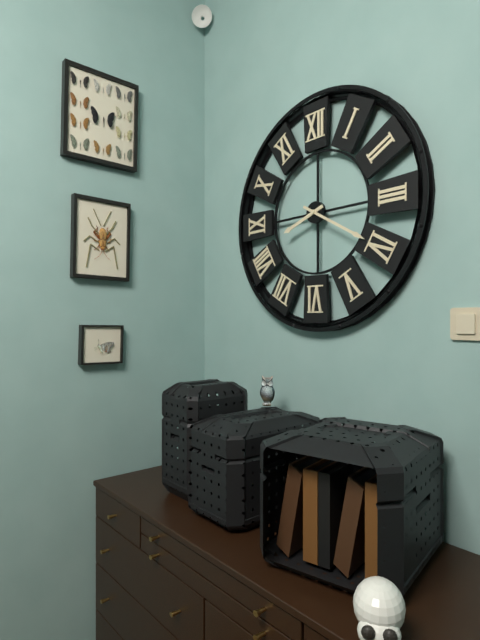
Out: h=8 m=20
